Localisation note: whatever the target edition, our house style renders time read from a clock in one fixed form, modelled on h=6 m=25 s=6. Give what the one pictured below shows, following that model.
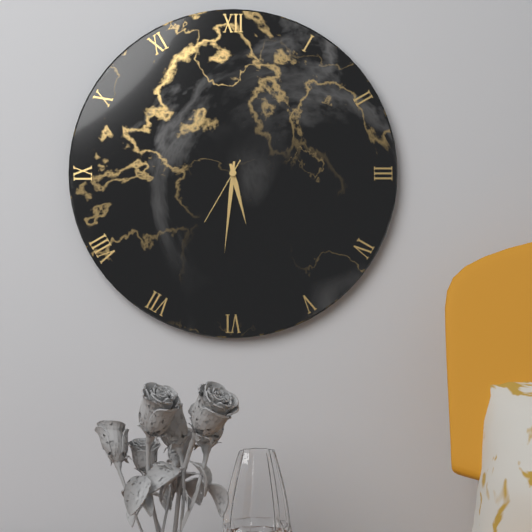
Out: h=5 m=31 s=35
